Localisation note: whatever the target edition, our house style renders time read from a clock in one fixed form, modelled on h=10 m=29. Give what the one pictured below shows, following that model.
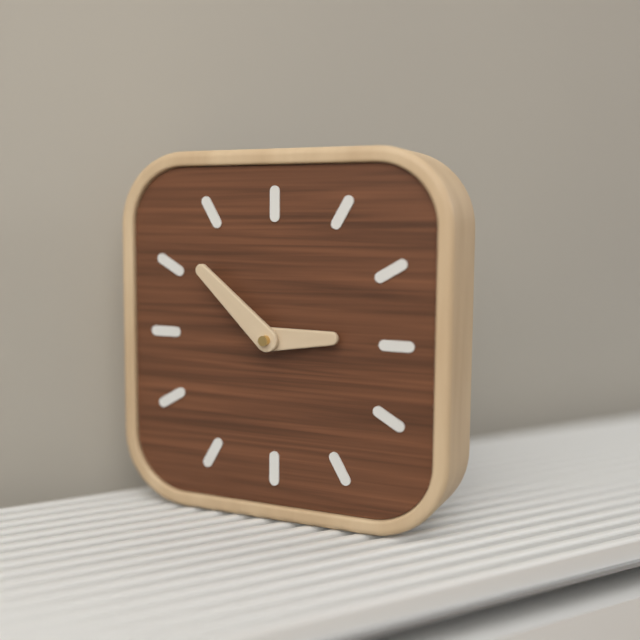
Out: h=2 m=52
